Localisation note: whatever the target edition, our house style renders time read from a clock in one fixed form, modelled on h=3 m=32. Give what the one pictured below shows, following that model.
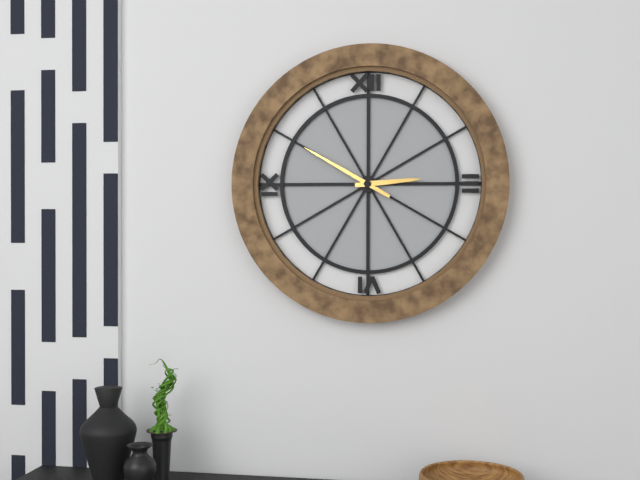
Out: h=2 m=50
